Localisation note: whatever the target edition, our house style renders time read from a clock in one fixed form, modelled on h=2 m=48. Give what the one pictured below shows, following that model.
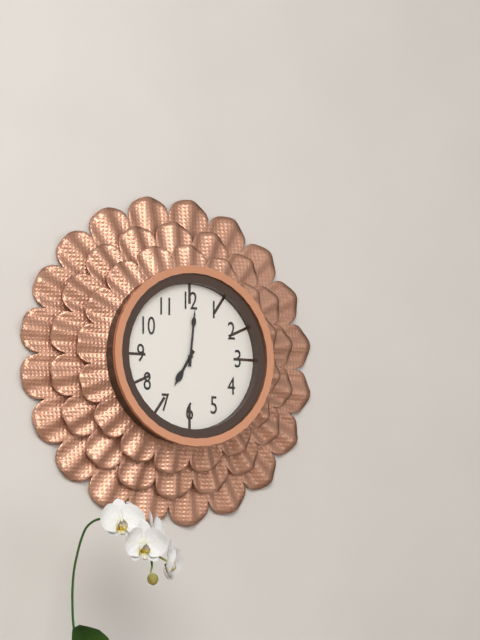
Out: h=7 m=1
